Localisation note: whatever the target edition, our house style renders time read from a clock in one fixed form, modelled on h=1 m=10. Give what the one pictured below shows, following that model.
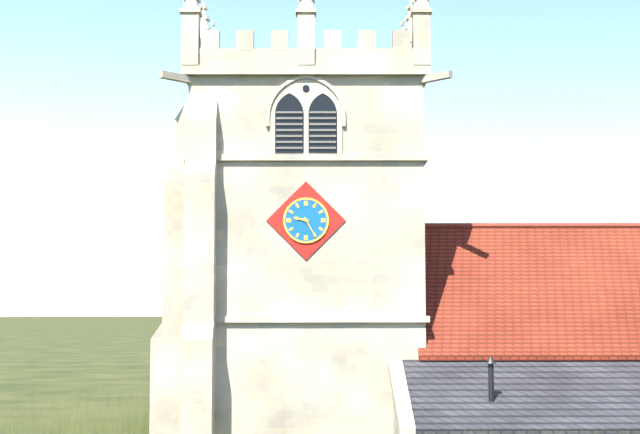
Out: h=9 m=25
